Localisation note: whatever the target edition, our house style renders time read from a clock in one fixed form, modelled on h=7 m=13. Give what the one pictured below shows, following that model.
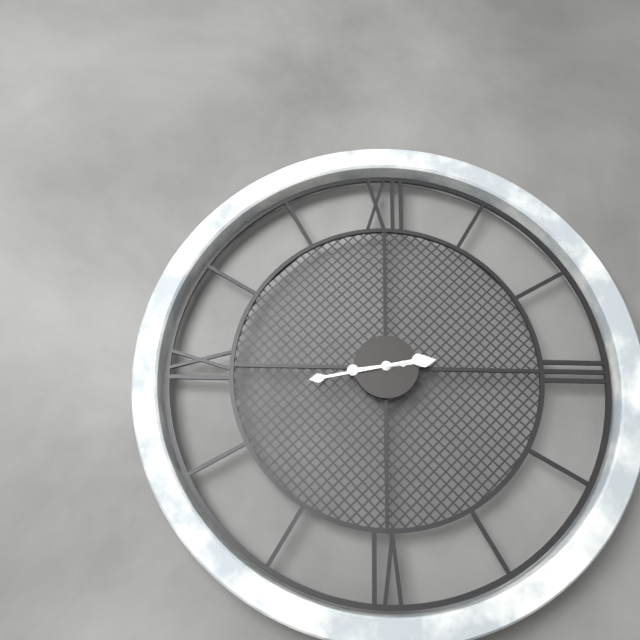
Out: h=2 m=43
